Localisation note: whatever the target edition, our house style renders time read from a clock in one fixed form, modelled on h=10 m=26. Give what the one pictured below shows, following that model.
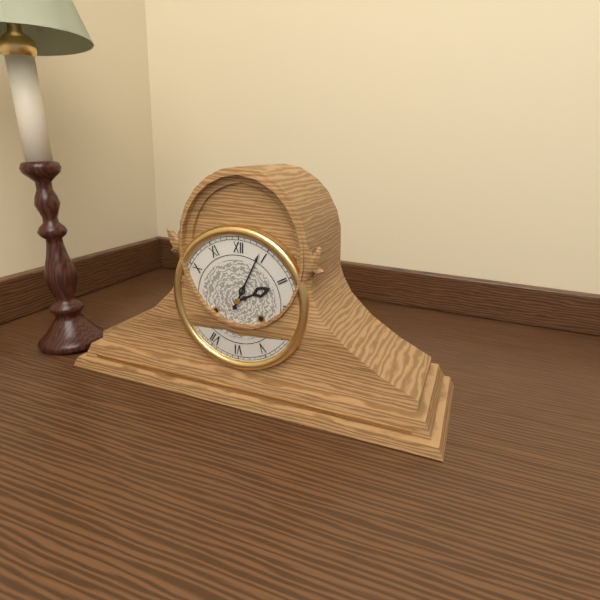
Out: h=2 m=4
